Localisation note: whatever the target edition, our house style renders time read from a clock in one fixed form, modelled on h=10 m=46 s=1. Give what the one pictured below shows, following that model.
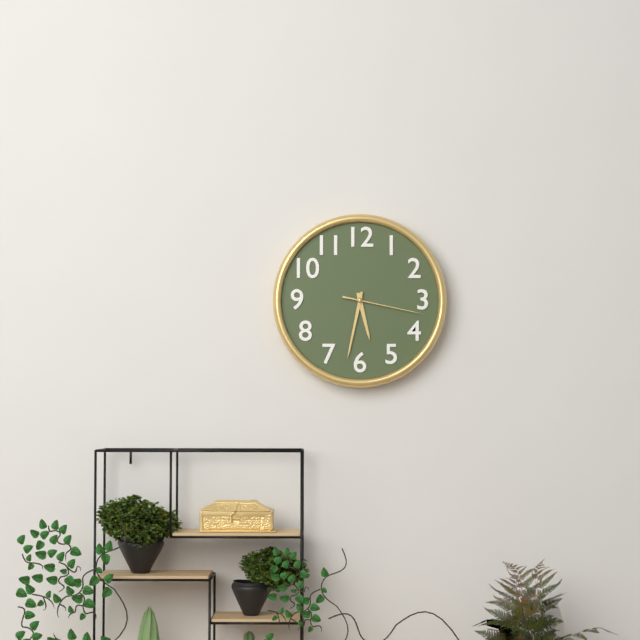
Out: h=5 m=32 s=17
